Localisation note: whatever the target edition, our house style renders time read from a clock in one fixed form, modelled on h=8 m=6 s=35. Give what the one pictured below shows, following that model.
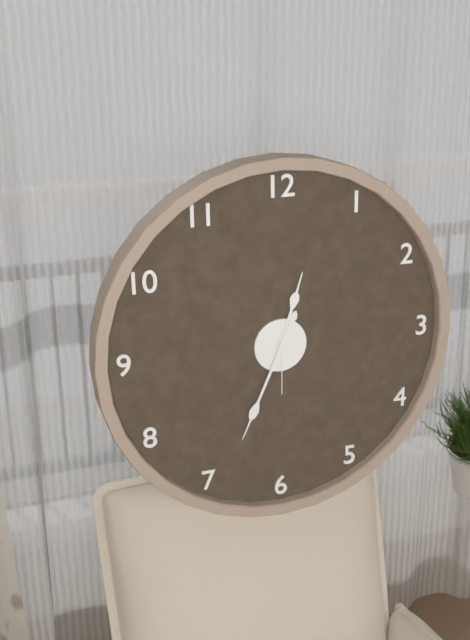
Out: h=12 m=34 s=30
